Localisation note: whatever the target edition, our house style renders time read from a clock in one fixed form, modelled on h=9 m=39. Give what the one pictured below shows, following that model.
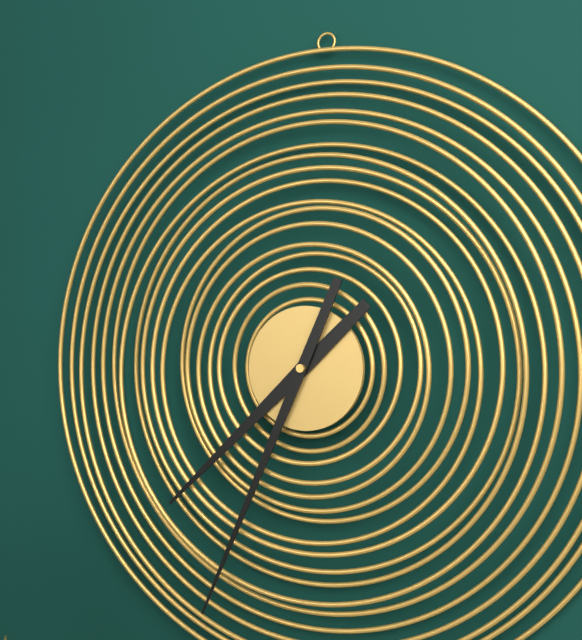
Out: h=7 m=34
